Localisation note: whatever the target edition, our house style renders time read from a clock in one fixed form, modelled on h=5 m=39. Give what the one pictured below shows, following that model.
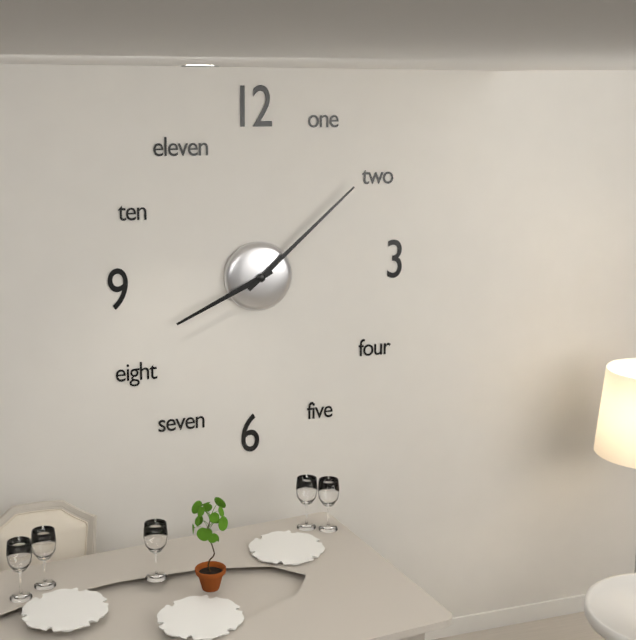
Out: h=8 m=8
